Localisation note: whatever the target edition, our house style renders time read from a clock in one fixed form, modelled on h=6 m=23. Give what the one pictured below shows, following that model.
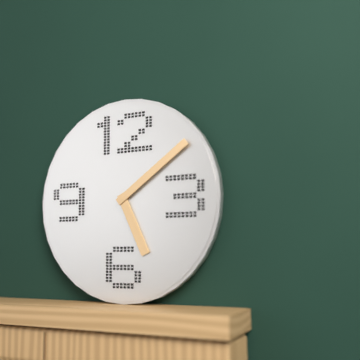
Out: h=5 m=9
